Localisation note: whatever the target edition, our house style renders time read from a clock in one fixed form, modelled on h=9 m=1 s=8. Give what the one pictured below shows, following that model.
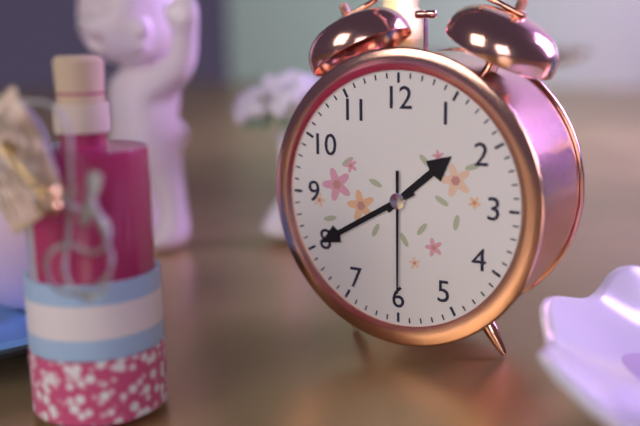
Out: h=1 m=40 s=30
